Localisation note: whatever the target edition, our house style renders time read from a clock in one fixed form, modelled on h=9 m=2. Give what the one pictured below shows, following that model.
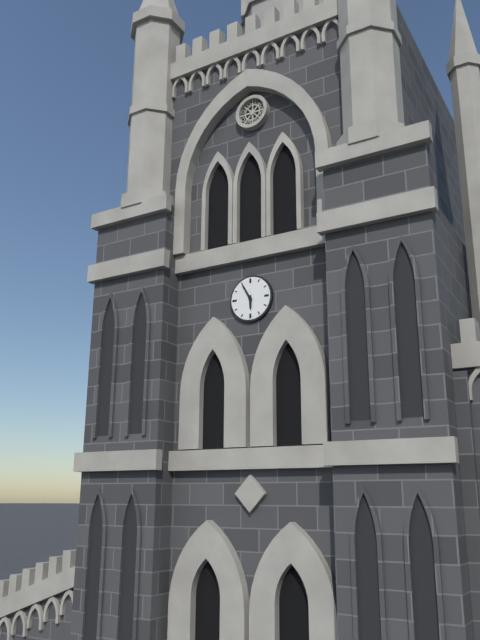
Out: h=5 m=55
